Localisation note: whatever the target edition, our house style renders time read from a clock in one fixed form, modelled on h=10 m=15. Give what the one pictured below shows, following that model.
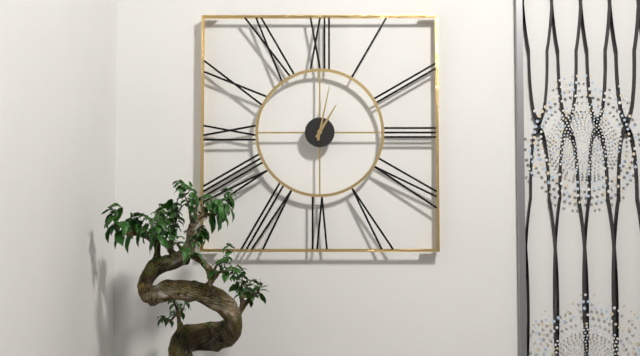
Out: h=1 m=2
